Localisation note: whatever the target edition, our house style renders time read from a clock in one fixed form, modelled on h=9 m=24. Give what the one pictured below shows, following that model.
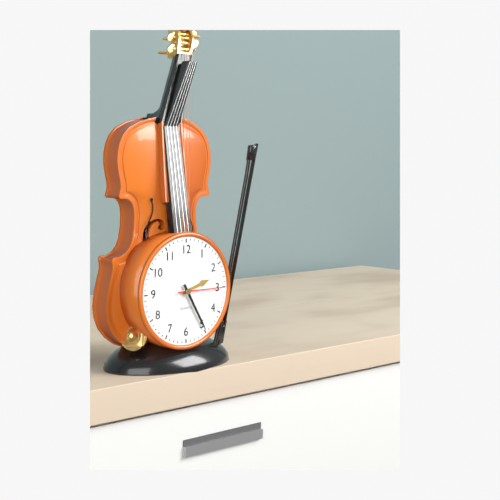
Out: h=2 m=25
